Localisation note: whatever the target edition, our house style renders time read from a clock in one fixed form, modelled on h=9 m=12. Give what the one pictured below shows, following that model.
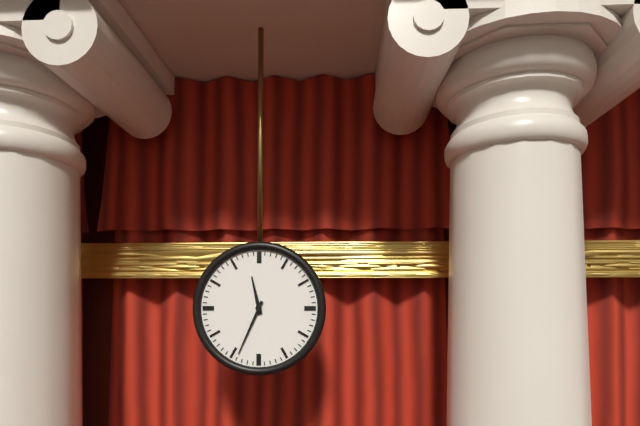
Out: h=11 m=34
